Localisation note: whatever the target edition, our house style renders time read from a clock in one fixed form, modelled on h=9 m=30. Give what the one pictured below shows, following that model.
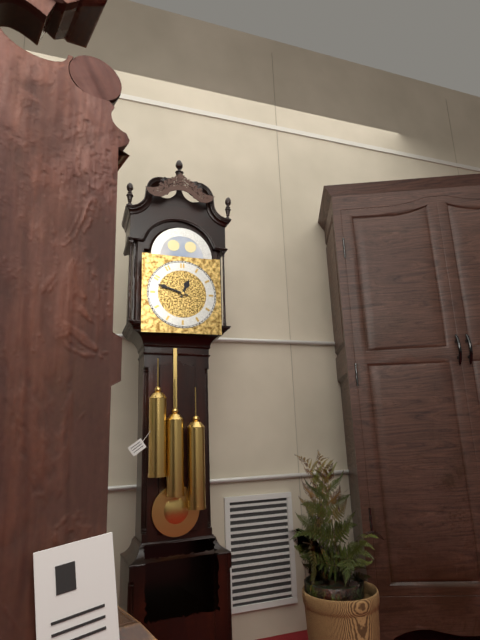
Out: h=12 m=48
